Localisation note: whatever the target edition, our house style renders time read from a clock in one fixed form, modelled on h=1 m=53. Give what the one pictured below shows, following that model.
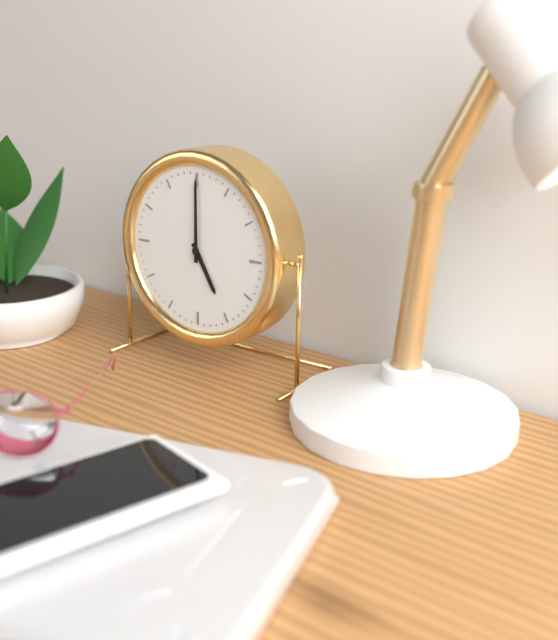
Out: h=5 m=0
